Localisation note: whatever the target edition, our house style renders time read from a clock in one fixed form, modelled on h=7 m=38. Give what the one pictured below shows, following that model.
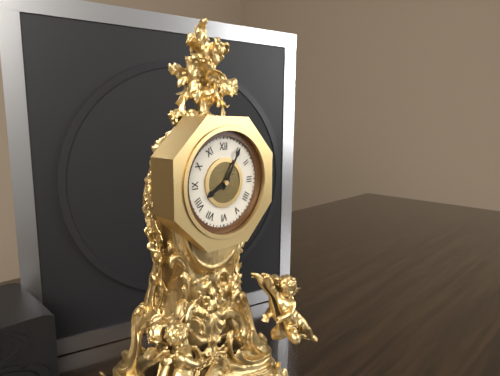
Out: h=8 m=5
